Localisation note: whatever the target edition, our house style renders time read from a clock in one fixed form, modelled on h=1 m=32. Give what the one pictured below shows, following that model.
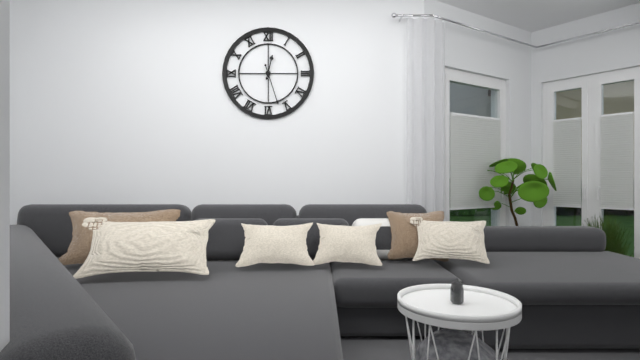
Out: h=12 m=27
